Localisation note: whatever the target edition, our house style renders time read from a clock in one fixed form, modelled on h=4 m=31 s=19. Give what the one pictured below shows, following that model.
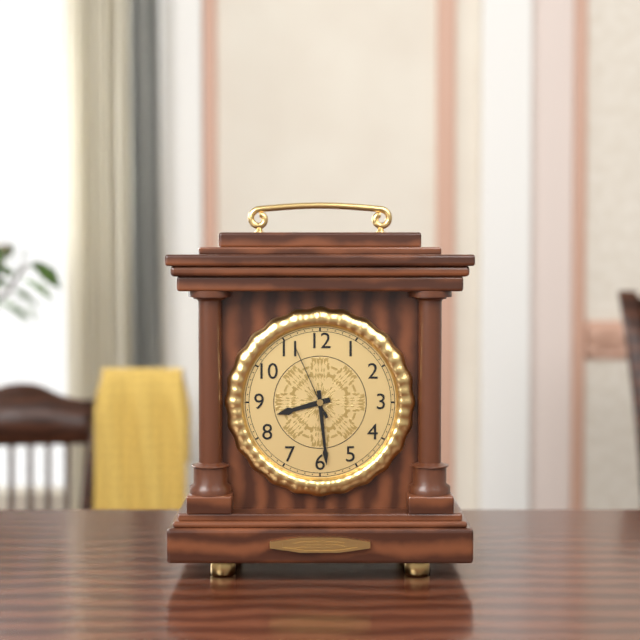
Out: h=8 m=29 s=56
